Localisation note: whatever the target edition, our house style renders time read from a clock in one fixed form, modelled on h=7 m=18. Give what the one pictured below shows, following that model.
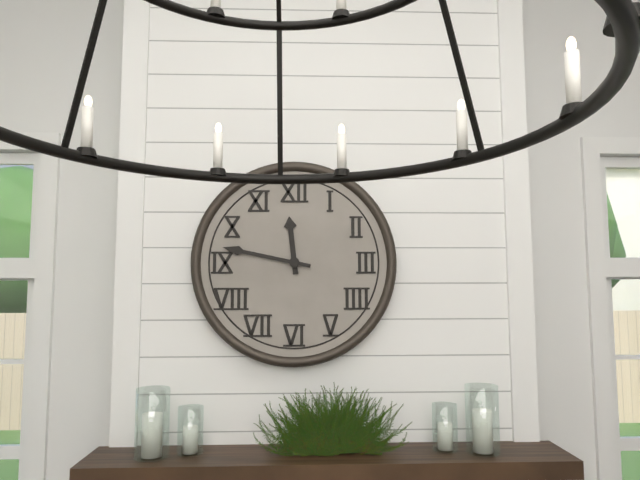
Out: h=11 m=47
